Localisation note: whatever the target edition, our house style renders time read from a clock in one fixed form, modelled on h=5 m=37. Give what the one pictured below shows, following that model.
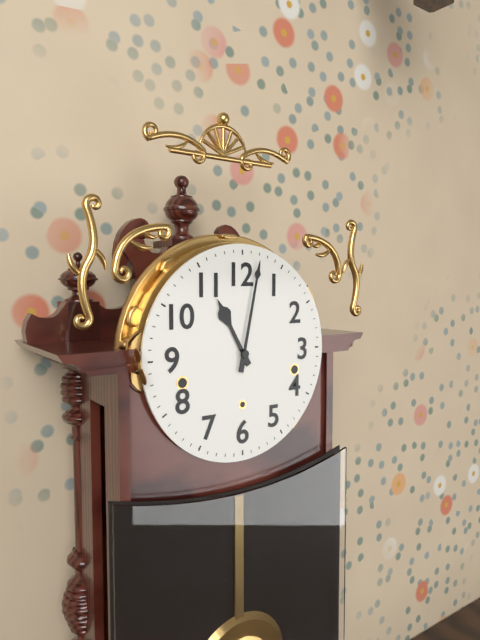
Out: h=11 m=2
